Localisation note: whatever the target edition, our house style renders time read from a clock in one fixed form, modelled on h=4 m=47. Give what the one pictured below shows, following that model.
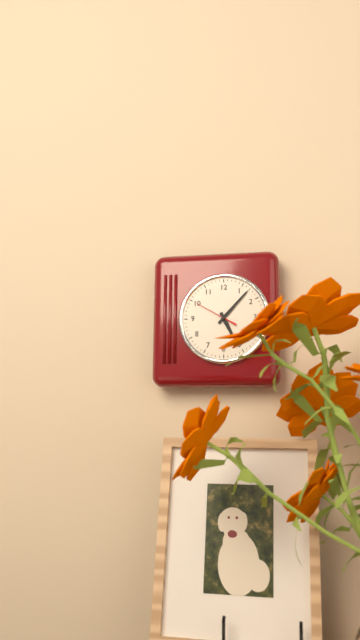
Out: h=5 m=7
